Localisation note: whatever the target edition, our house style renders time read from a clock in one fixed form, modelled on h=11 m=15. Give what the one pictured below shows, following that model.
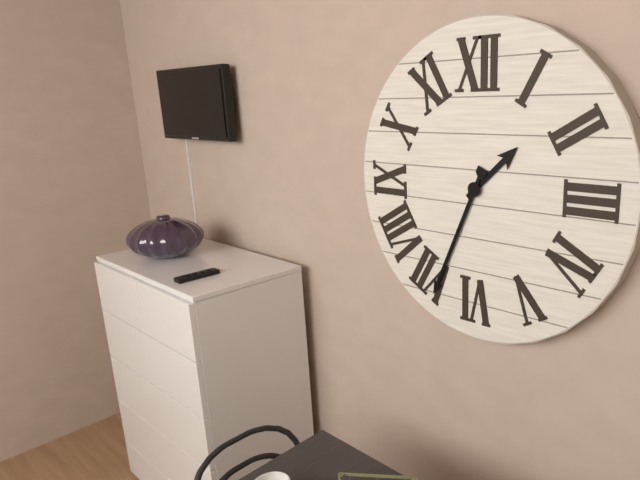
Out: h=1 m=34
